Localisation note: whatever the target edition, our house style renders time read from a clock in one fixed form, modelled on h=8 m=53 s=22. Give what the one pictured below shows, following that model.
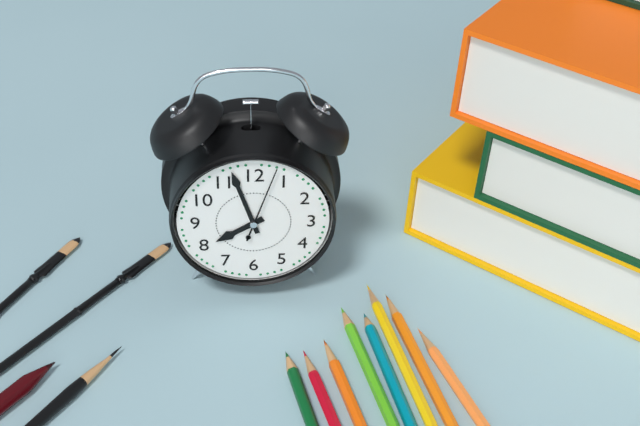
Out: h=7 m=57 s=3
